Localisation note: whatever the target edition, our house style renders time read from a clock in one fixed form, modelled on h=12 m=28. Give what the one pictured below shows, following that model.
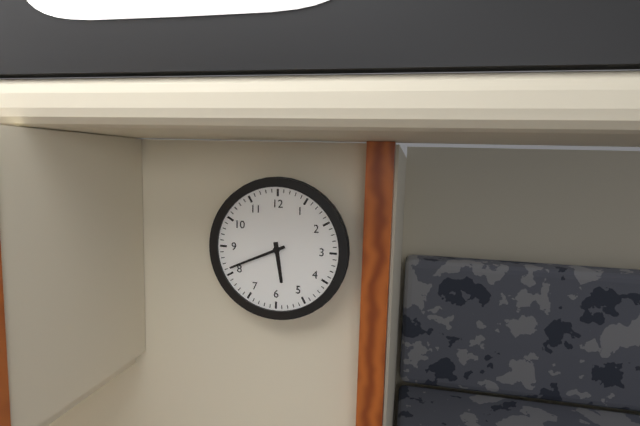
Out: h=5 m=41
